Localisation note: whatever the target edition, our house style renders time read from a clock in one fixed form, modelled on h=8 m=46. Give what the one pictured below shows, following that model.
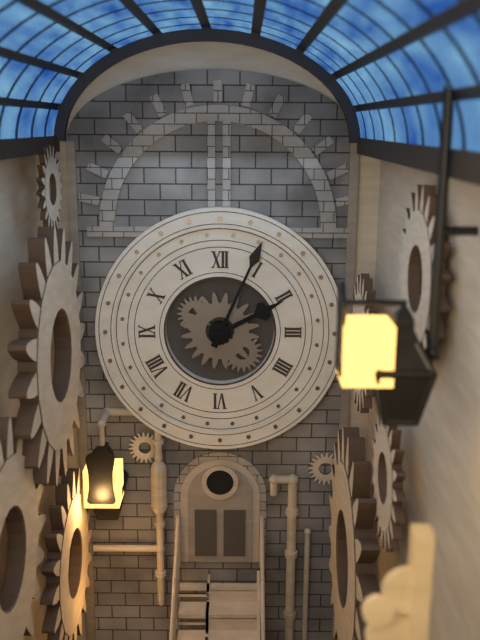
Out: h=2 m=4
